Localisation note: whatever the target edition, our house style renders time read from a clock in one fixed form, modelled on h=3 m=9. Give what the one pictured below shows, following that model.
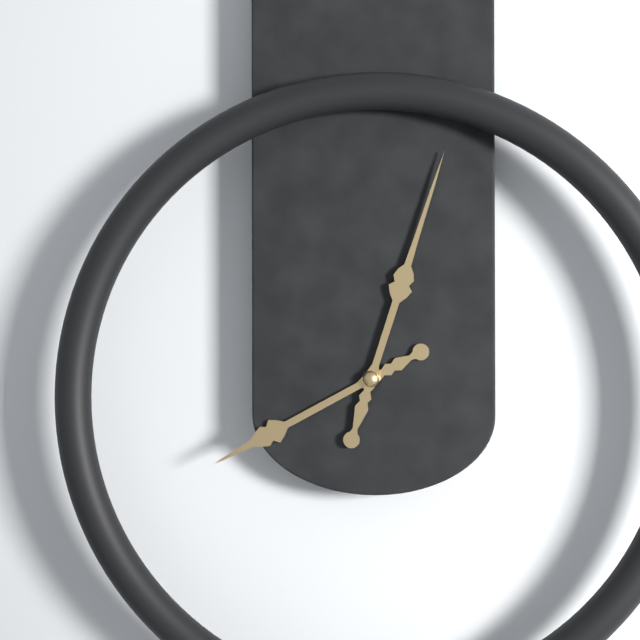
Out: h=8 m=3
